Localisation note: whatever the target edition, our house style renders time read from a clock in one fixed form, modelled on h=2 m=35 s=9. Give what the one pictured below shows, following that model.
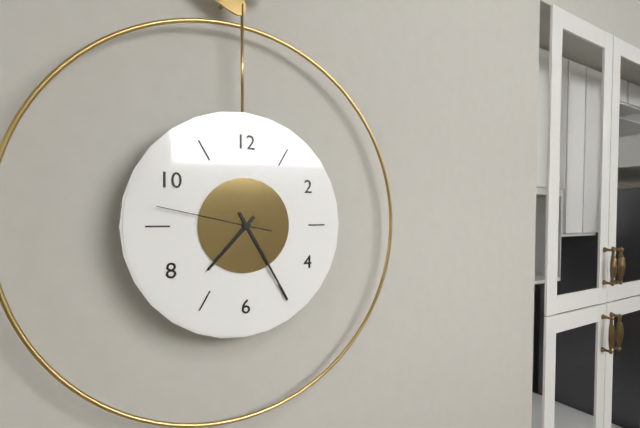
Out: h=7 m=25 s=47
